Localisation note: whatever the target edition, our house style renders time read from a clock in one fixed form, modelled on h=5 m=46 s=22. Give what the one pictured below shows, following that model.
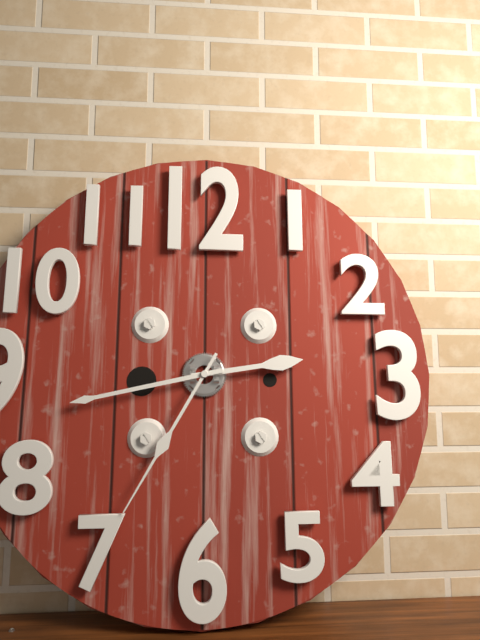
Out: h=2 m=43 s=35
